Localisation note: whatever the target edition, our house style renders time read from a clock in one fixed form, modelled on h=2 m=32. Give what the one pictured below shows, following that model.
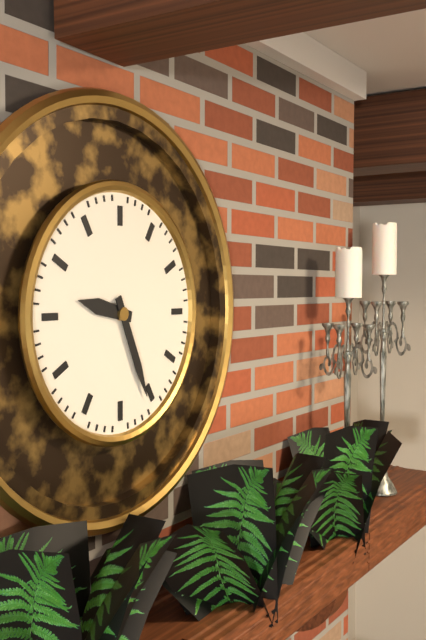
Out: h=9 m=26
